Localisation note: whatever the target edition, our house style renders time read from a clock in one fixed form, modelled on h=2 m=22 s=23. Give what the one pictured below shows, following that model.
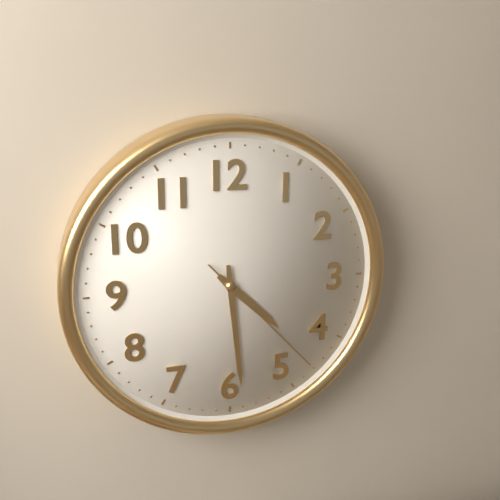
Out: h=4 m=29 s=23
